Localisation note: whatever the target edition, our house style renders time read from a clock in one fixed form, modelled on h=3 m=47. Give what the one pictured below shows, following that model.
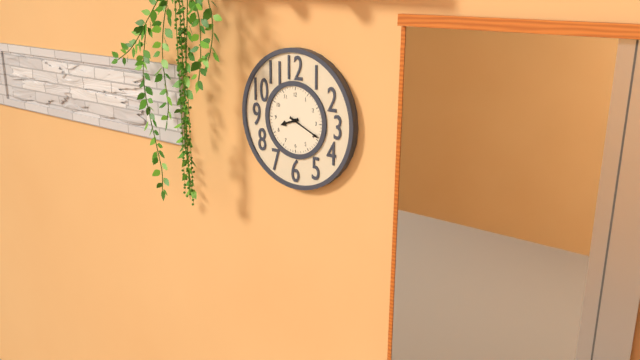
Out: h=8 m=19
